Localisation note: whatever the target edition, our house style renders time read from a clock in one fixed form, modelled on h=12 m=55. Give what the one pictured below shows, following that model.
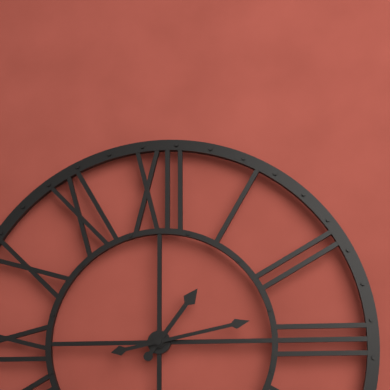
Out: h=1 m=13
